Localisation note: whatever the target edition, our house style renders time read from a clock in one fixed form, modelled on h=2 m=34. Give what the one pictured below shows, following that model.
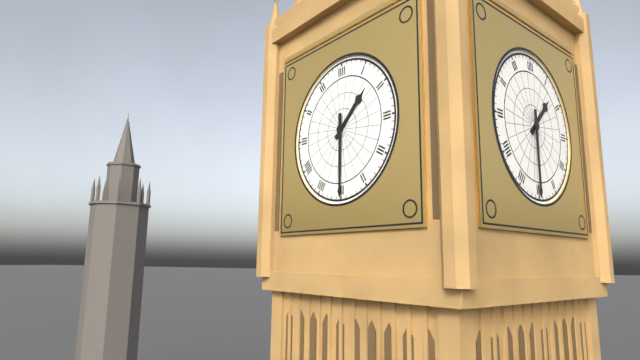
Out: h=1 m=30
